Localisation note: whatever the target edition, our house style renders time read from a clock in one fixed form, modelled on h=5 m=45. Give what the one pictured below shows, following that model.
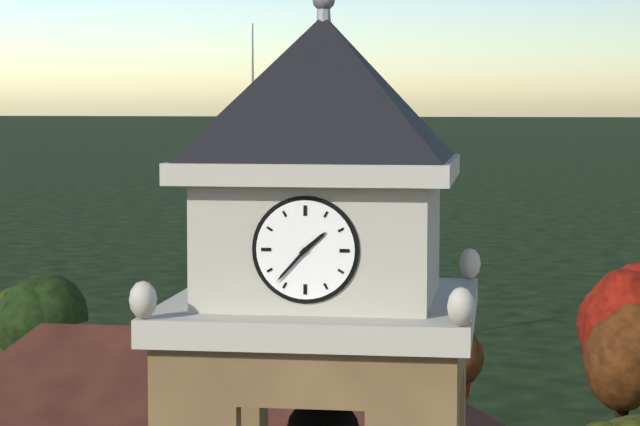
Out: h=1 m=37
